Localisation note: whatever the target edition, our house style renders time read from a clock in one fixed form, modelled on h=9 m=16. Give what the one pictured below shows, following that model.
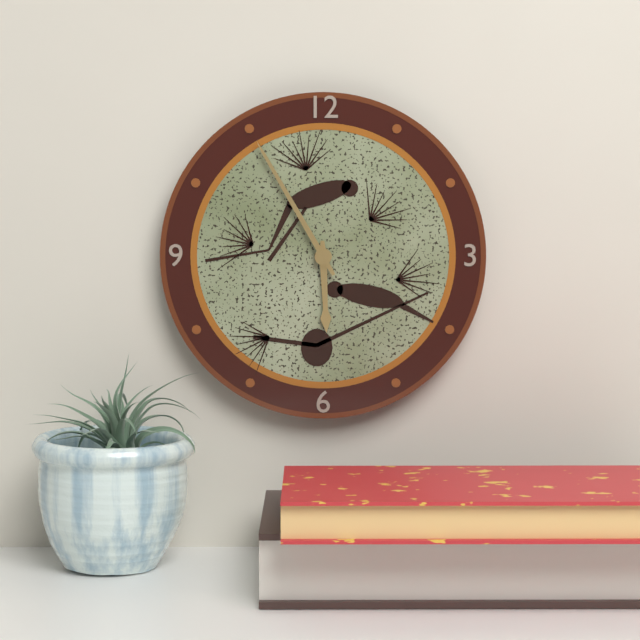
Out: h=5 m=55
